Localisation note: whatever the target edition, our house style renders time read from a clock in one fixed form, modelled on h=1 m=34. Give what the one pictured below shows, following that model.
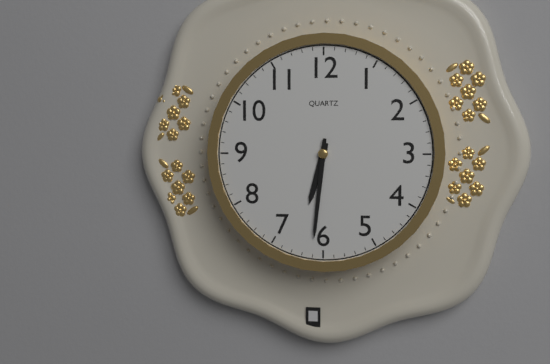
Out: h=6 m=31
